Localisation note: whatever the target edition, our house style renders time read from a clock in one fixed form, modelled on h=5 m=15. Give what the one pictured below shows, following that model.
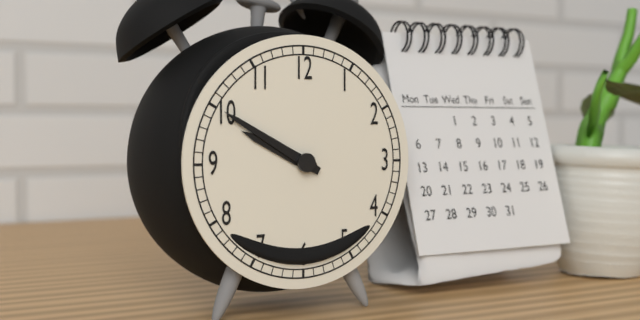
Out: h=9 m=50
